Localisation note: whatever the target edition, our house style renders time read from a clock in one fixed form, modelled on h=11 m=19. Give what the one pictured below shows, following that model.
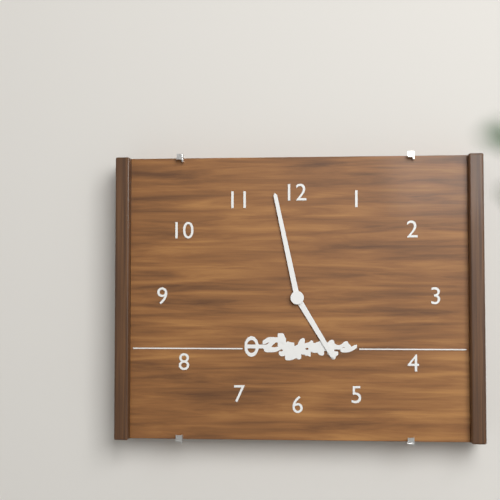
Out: h=4 m=58
